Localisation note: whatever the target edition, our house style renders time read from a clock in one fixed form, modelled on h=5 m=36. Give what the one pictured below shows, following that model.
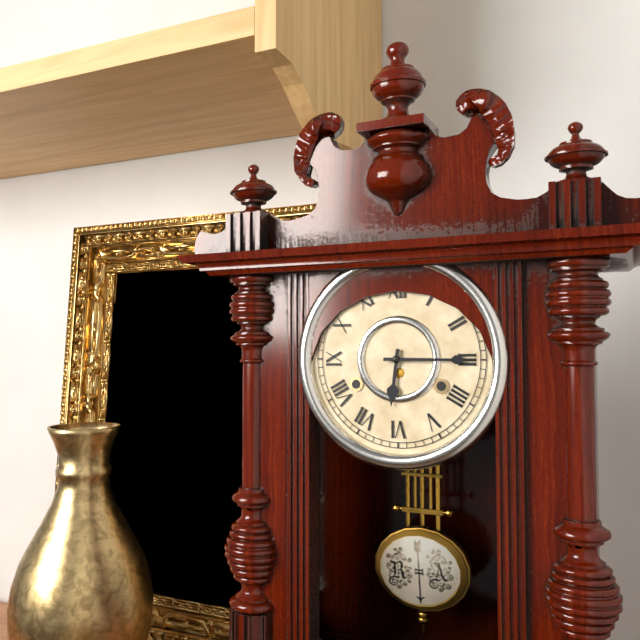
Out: h=6 m=15
